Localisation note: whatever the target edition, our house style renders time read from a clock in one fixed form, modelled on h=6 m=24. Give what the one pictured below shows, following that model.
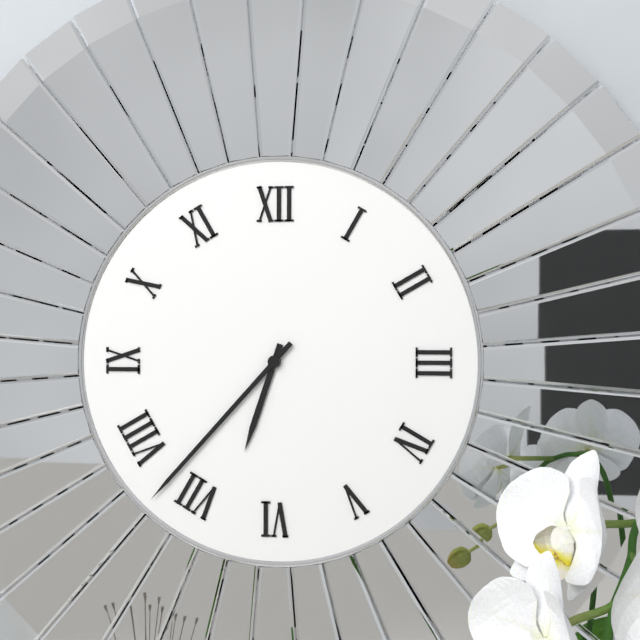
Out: h=6 m=37
